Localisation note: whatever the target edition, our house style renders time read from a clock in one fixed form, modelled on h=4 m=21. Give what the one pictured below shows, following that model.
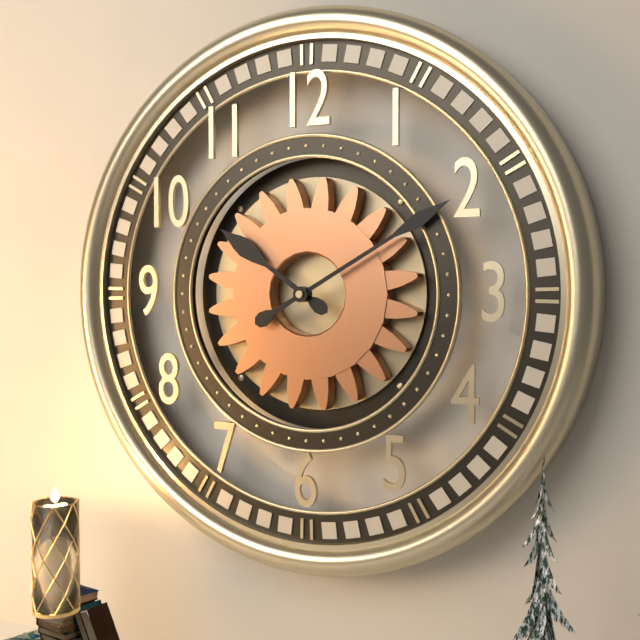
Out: h=10 m=10
